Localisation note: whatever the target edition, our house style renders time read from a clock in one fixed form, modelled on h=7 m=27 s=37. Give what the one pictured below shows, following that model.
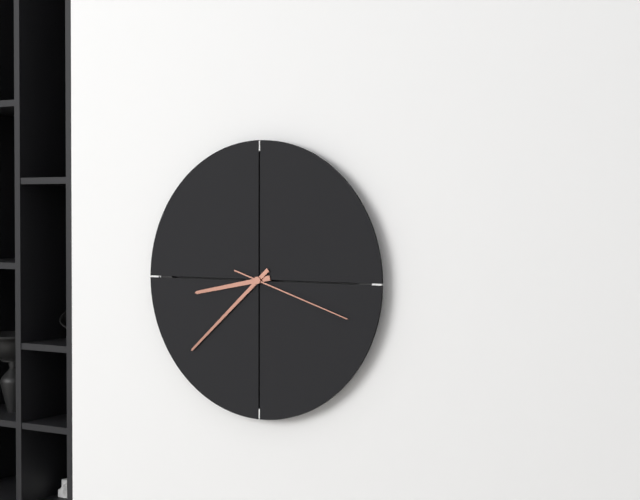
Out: h=8 m=38 s=18
